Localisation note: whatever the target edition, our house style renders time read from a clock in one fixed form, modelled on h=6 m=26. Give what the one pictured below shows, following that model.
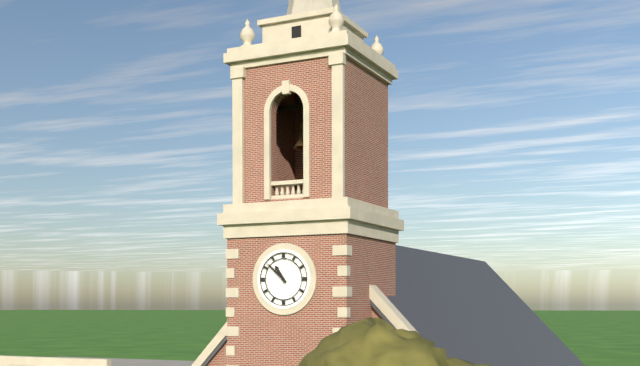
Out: h=10 m=52
